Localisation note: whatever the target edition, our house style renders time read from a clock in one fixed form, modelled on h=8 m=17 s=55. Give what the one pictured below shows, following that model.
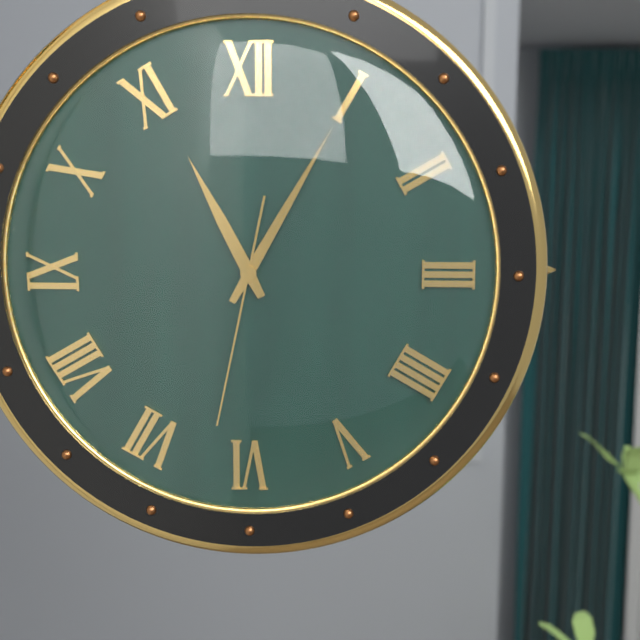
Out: h=11 m=5 s=32
